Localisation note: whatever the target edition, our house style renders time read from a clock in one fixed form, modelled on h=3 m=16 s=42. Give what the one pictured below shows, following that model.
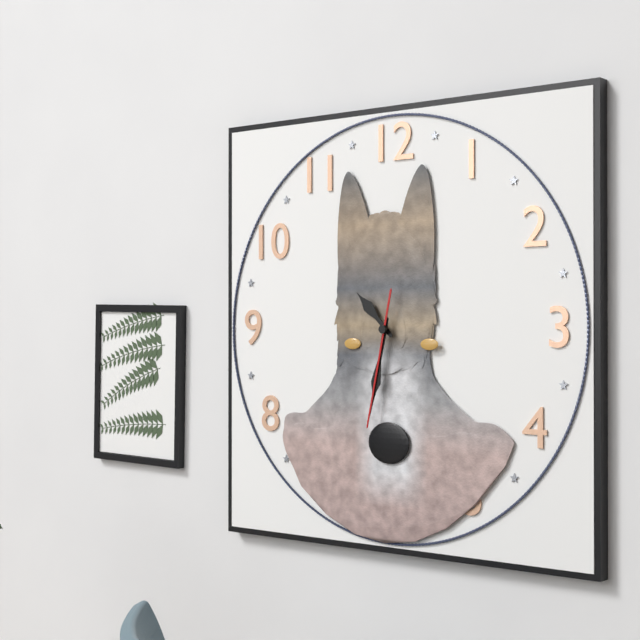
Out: h=10 m=32 s=32
